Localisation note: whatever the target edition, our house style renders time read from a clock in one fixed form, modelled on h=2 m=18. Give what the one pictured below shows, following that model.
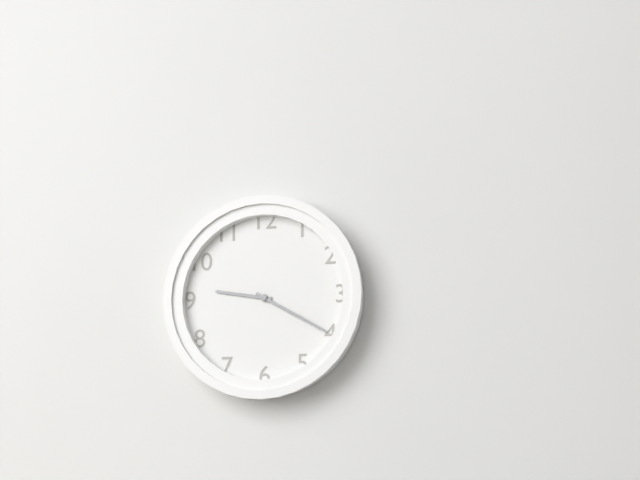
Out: h=9 m=20
